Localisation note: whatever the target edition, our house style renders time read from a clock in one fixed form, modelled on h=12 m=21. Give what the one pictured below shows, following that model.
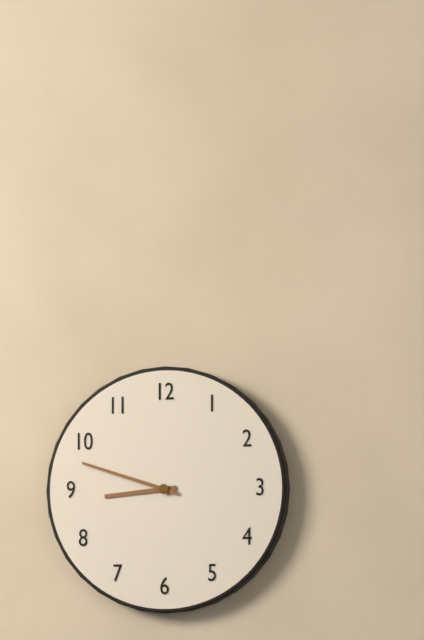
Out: h=8 m=48
